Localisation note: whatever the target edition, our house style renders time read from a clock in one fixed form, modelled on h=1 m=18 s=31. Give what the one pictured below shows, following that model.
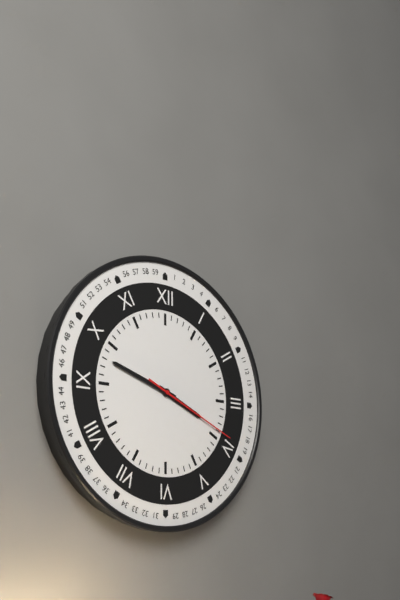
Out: h=3 m=48 s=19
